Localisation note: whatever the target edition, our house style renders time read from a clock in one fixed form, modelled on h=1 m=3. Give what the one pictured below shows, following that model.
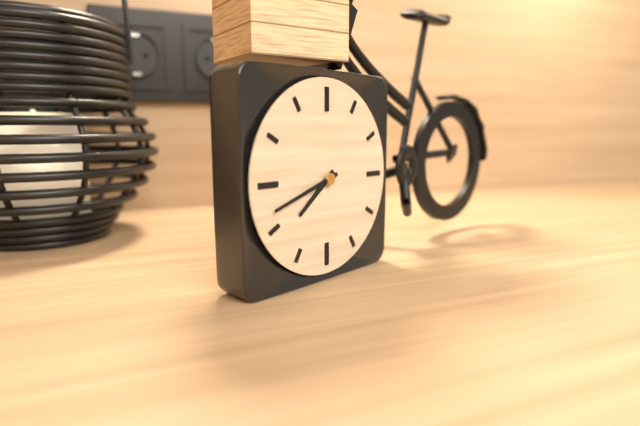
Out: h=7 m=42
